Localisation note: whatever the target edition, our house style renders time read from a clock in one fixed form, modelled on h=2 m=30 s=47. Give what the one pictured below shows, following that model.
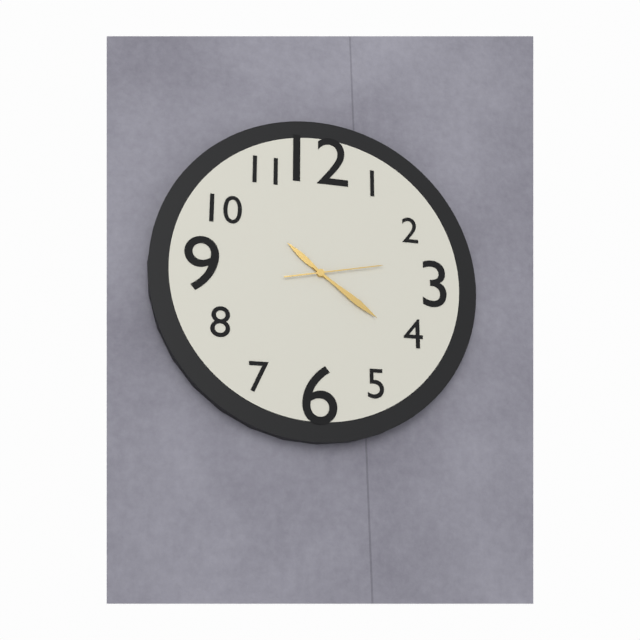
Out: h=10 m=21 s=13
